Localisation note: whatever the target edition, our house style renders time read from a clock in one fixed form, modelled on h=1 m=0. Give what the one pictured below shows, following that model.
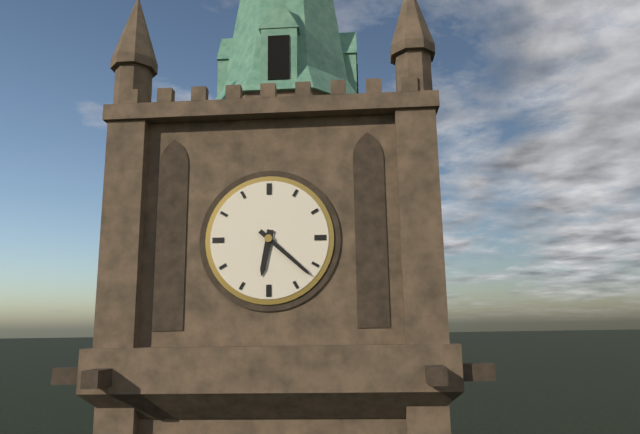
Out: h=6 m=22
